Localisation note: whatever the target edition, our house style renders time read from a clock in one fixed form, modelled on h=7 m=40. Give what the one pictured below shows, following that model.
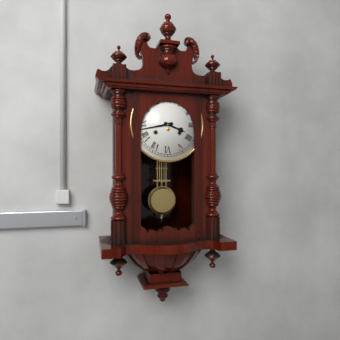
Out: h=3 m=43
